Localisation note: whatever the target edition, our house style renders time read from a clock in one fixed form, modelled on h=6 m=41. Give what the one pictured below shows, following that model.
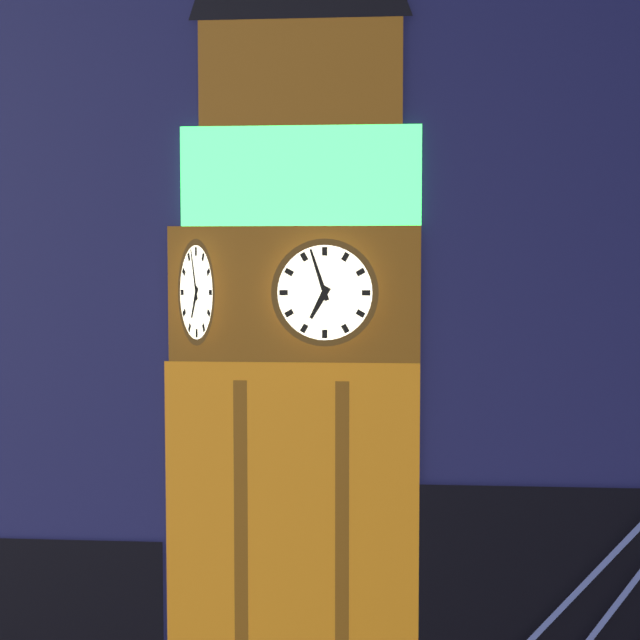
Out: h=6 m=57
